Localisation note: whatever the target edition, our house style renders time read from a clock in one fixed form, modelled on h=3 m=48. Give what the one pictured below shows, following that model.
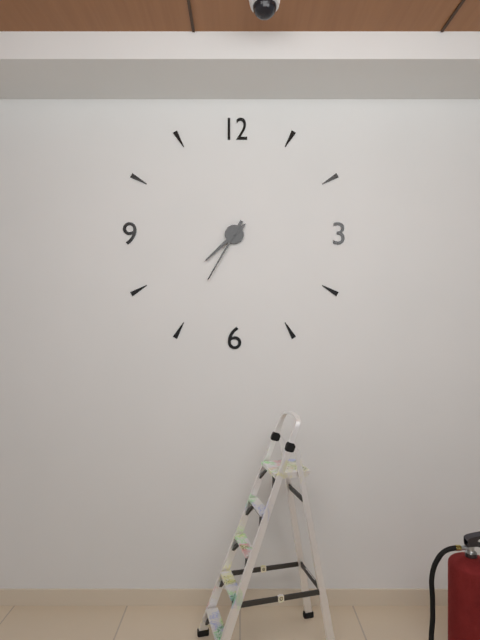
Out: h=7 m=35
